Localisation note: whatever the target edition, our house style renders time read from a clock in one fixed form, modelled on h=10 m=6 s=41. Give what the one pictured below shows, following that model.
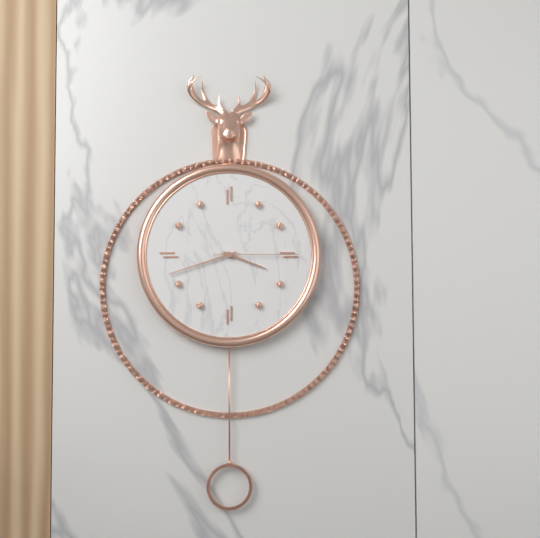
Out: h=3 m=42 s=15
